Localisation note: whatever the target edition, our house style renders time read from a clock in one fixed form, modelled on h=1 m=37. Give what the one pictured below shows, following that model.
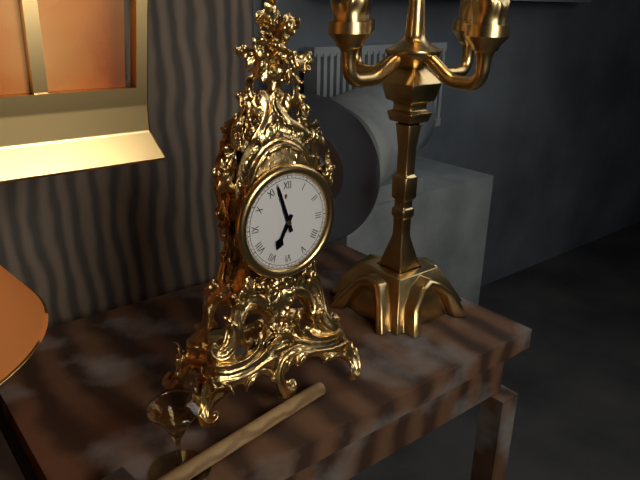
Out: h=6 m=57
